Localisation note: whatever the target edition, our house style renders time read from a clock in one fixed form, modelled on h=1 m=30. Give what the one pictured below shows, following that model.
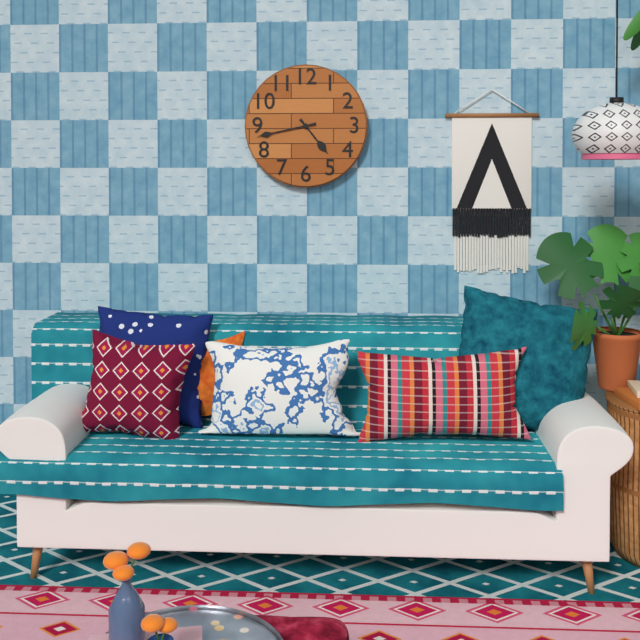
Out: h=4 m=43
